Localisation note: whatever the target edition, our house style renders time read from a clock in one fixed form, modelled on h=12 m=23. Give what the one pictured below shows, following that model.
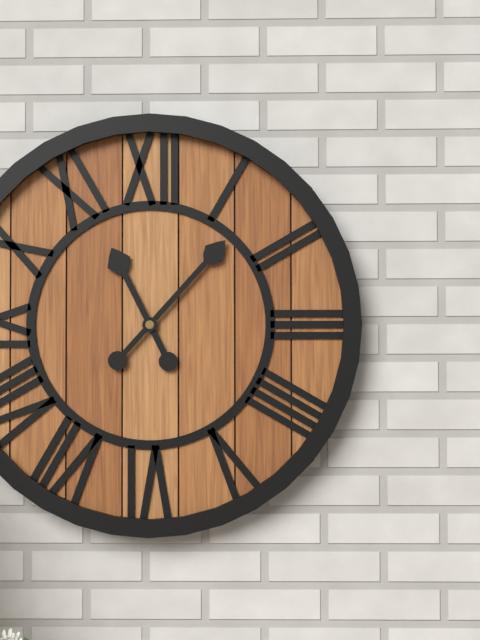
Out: h=11 m=7
